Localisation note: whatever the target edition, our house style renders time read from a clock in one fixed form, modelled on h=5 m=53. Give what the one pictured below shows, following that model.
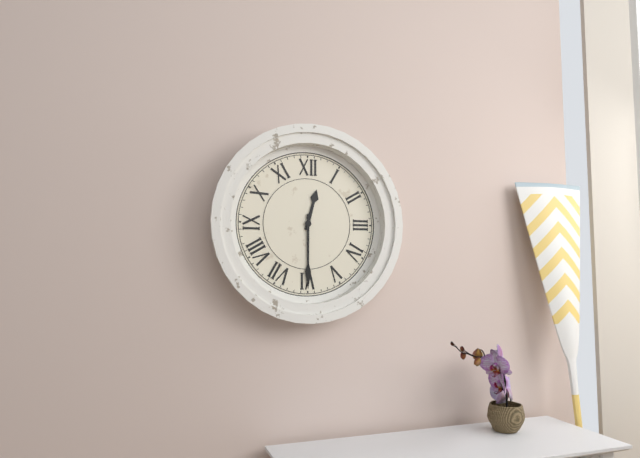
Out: h=12 m=30
